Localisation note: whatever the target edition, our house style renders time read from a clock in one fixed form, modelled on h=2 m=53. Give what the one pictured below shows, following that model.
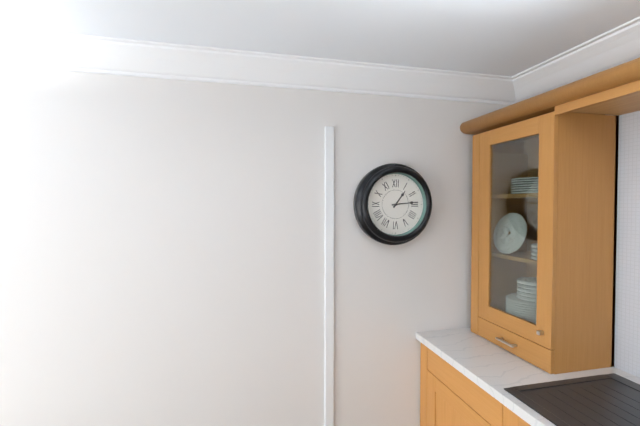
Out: h=1 m=14
